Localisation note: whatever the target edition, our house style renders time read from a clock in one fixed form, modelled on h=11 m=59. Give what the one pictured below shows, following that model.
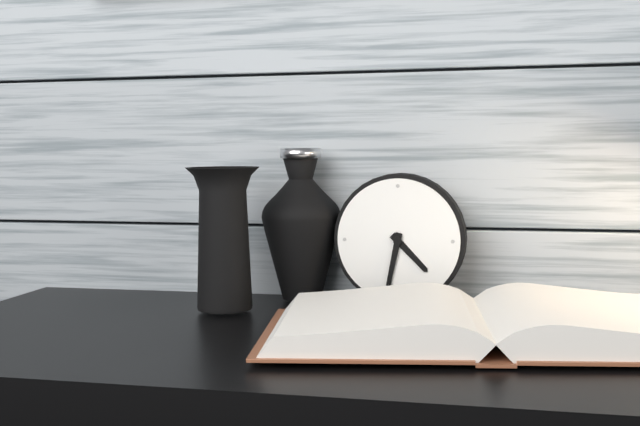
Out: h=4 m=32
